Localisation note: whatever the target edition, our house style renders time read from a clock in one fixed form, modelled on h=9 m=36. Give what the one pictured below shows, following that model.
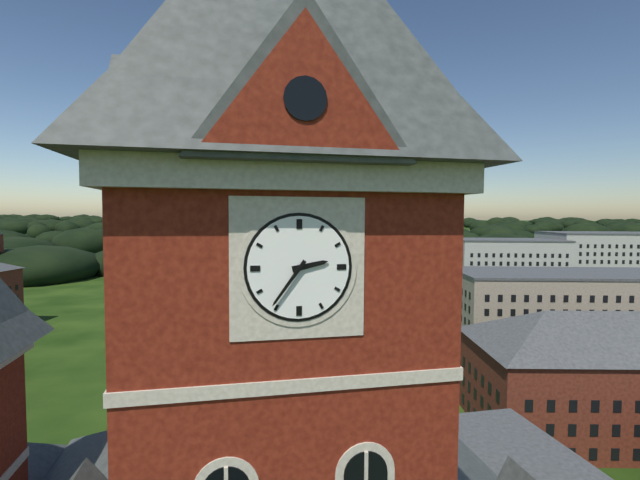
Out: h=2 m=36
